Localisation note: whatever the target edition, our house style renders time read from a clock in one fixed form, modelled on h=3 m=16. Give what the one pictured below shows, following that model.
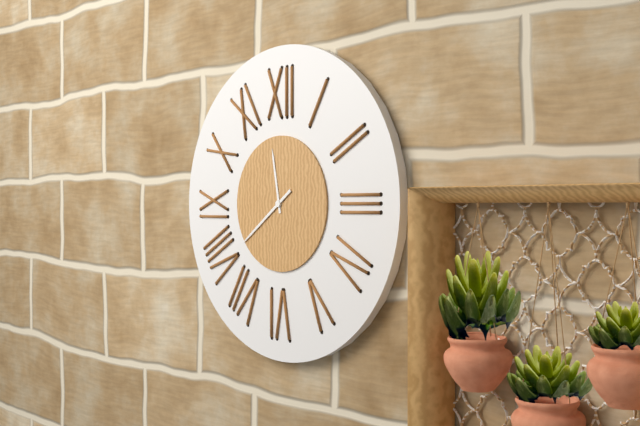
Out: h=11 m=39
